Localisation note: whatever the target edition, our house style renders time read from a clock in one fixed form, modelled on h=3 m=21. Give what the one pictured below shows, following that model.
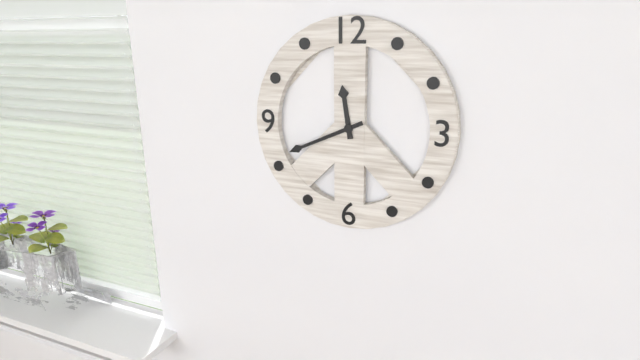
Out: h=11 m=41
